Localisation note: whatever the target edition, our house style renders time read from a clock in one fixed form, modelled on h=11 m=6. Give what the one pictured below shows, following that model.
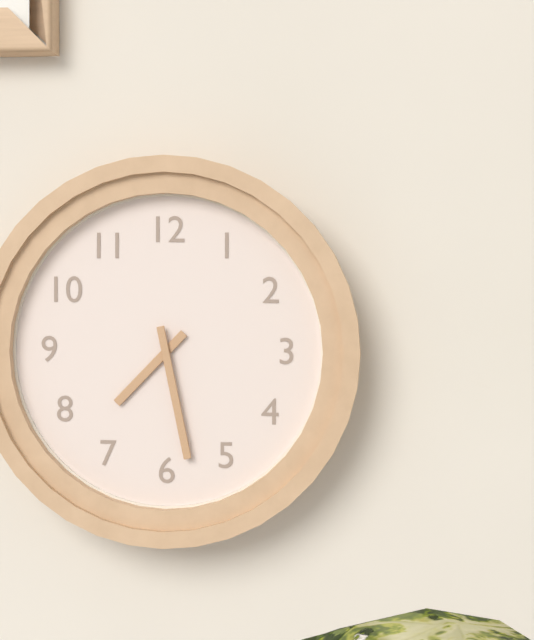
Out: h=7 m=28
